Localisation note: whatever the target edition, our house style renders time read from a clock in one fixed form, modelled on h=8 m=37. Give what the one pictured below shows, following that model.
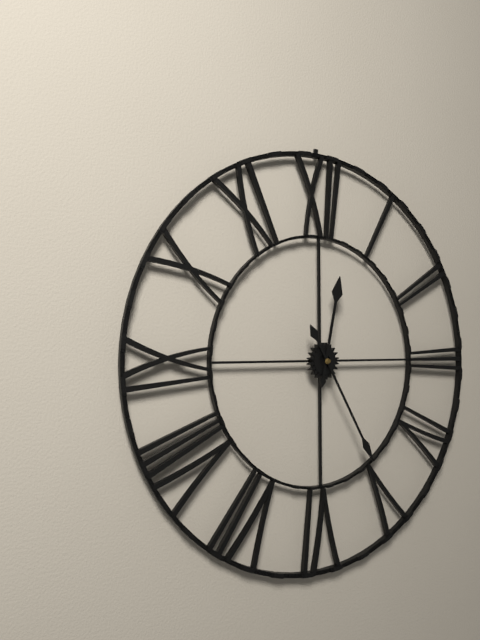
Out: h=12 m=25
